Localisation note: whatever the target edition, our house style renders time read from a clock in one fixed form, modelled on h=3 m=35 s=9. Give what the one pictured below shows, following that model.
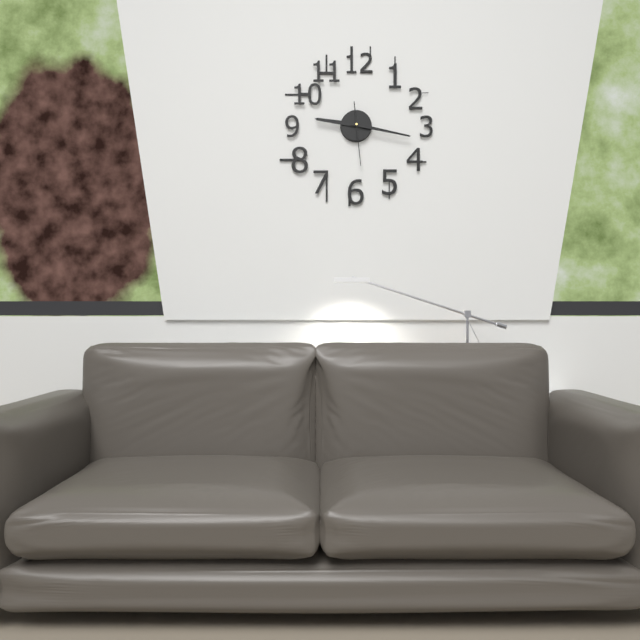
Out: h=9 m=17 s=29
